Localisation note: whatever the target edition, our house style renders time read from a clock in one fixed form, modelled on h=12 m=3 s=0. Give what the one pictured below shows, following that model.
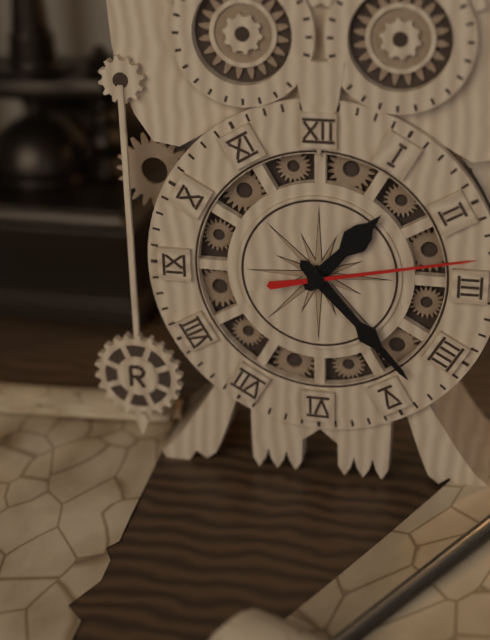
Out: h=1 m=23 s=13
